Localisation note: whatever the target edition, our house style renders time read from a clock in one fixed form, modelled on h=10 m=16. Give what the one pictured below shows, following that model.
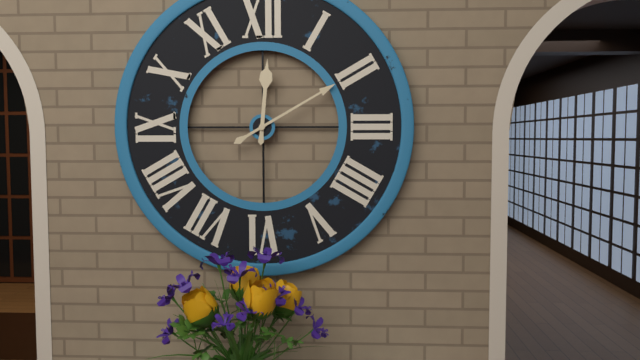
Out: h=12 m=10
